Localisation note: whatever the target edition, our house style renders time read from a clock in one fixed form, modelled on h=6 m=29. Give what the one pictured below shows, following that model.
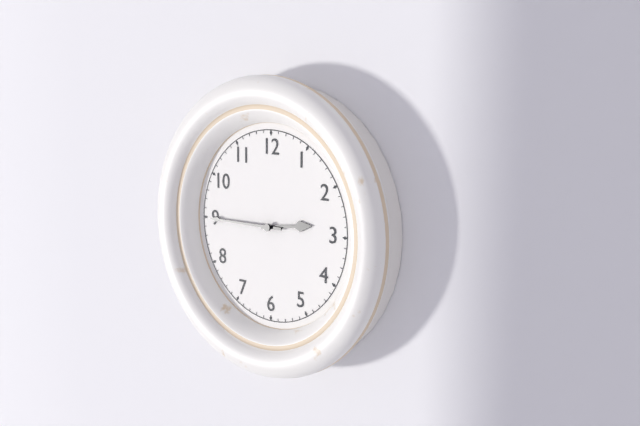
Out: h=2 m=45
